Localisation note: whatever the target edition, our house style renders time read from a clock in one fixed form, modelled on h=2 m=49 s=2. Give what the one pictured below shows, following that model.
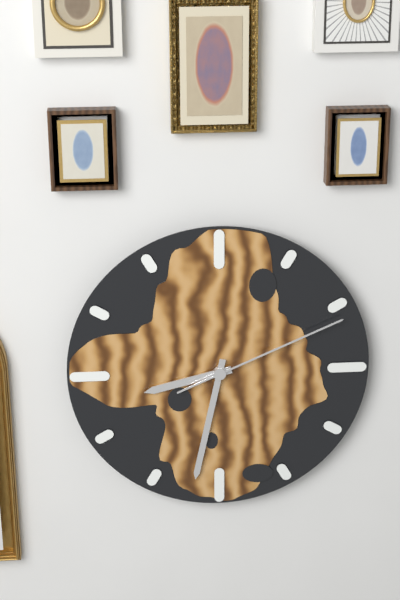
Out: h=8 m=32 s=11
